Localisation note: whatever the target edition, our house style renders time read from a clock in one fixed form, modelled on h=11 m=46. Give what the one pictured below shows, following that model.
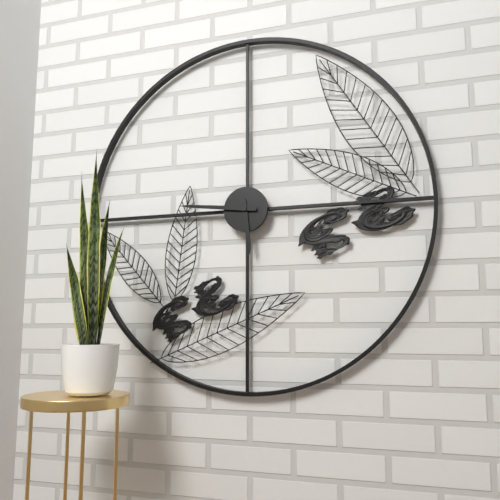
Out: h=5 m=46
